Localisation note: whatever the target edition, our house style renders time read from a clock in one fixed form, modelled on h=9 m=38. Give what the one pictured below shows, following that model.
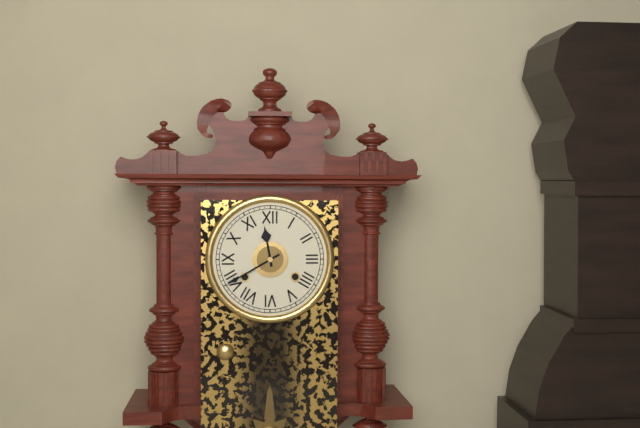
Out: h=11 m=40
